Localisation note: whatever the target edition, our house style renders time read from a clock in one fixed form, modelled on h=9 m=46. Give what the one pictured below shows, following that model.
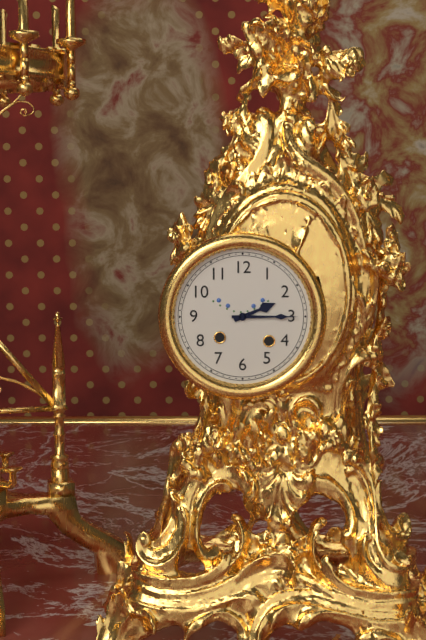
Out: h=2 m=15
